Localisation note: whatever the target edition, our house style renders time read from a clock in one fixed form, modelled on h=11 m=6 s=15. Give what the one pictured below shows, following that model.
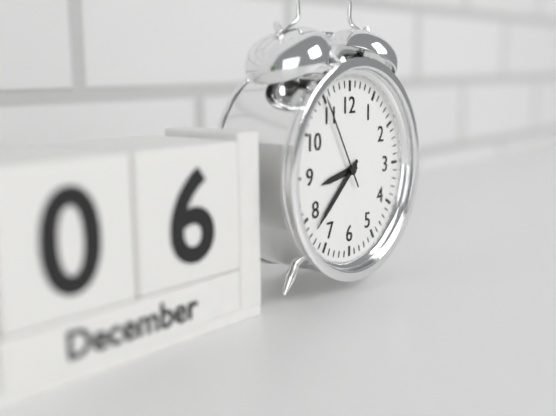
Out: h=8 m=38 s=55
